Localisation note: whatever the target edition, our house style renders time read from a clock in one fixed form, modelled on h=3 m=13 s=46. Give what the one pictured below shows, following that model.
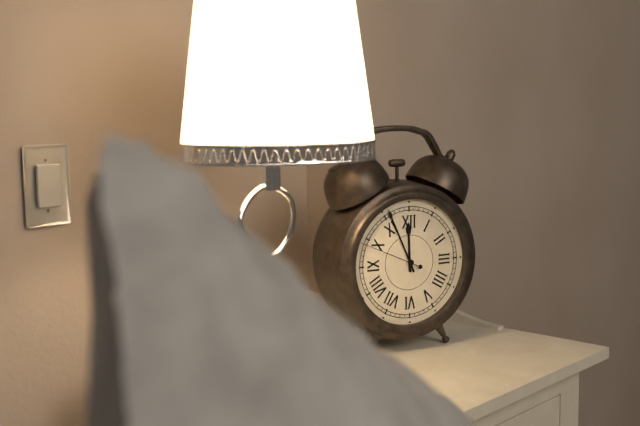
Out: h=11 m=56 s=49
